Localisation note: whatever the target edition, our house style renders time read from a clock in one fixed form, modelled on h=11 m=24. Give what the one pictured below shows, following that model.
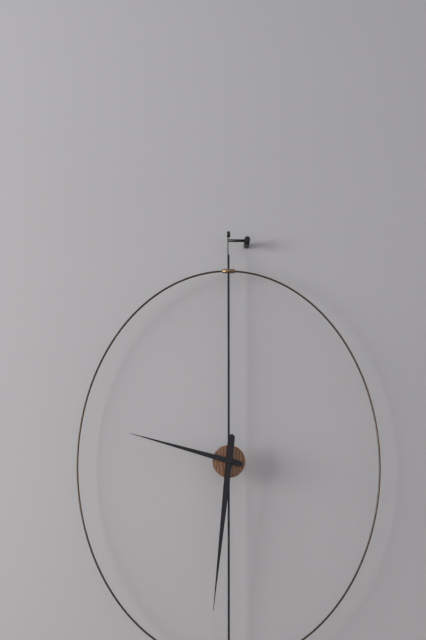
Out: h=9 m=31
